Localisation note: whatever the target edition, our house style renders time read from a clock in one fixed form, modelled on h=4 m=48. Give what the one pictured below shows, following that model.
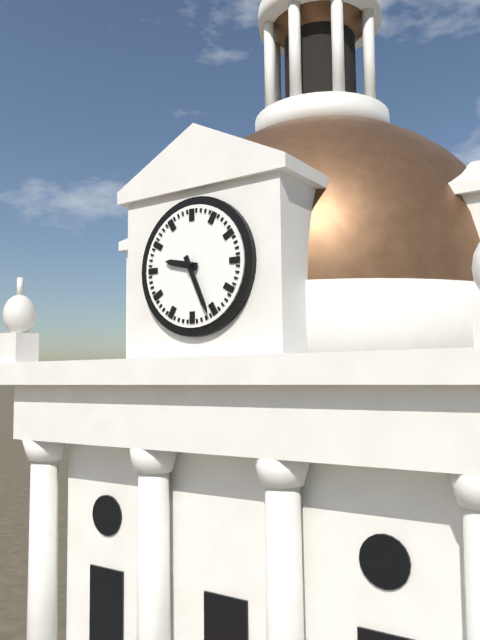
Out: h=9 m=26
